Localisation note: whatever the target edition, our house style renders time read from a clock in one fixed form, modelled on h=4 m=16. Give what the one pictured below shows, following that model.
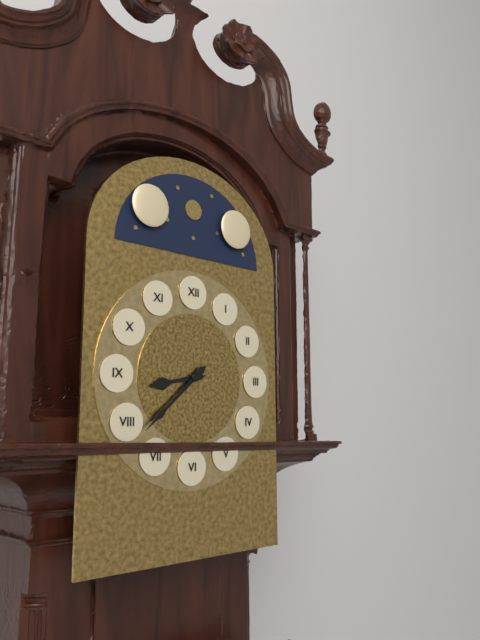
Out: h=8 m=38
